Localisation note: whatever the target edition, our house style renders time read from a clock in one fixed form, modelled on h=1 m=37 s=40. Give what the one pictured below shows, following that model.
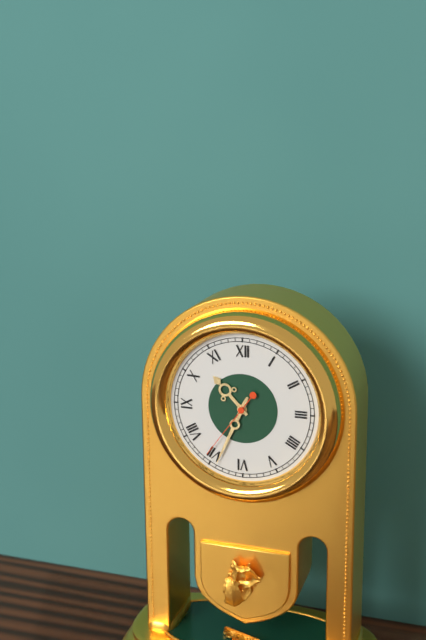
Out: h=10 m=34 s=36
